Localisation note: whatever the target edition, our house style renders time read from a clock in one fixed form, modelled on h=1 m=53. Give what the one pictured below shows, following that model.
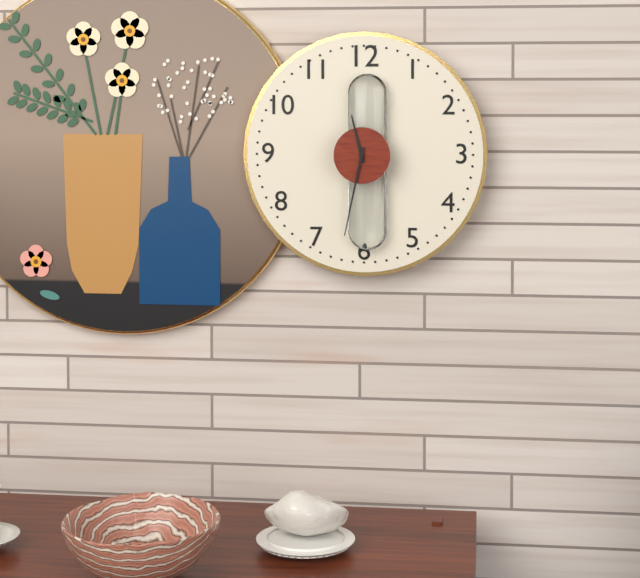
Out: h=11 m=32
